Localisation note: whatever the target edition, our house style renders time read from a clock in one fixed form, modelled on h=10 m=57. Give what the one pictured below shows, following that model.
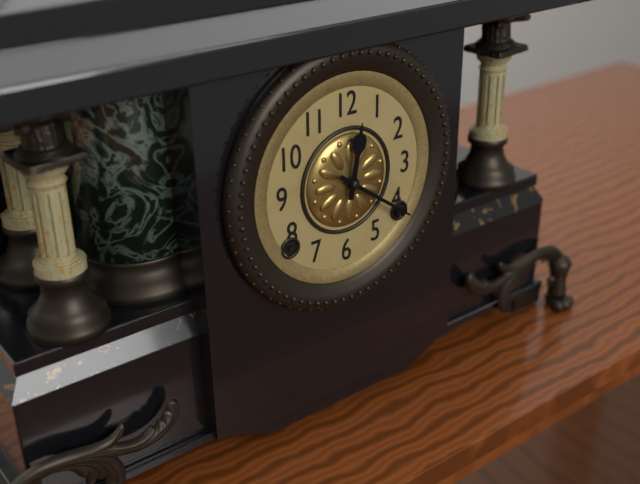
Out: h=12 m=21
